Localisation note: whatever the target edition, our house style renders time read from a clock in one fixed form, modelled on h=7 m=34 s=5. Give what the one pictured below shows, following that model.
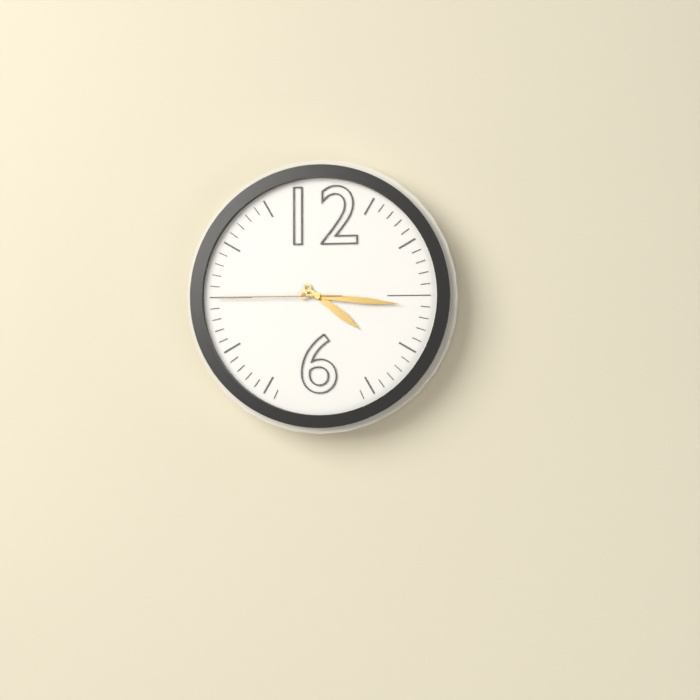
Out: h=4 m=16 s=45
